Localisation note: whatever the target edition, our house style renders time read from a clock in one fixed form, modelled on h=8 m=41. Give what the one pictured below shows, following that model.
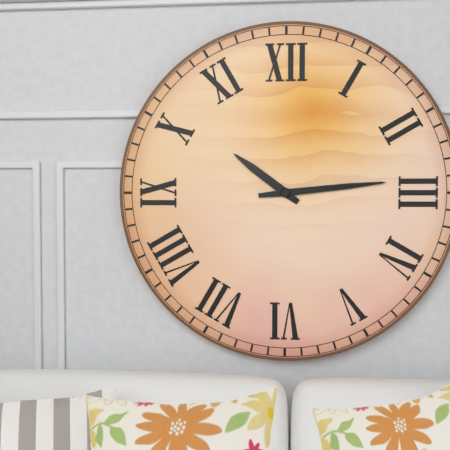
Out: h=10 m=14
